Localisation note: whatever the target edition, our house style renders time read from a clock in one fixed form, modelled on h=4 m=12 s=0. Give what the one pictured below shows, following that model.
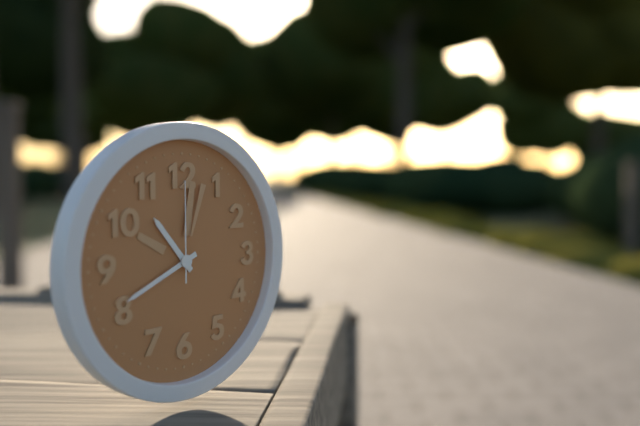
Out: h=10 m=41 s=0
